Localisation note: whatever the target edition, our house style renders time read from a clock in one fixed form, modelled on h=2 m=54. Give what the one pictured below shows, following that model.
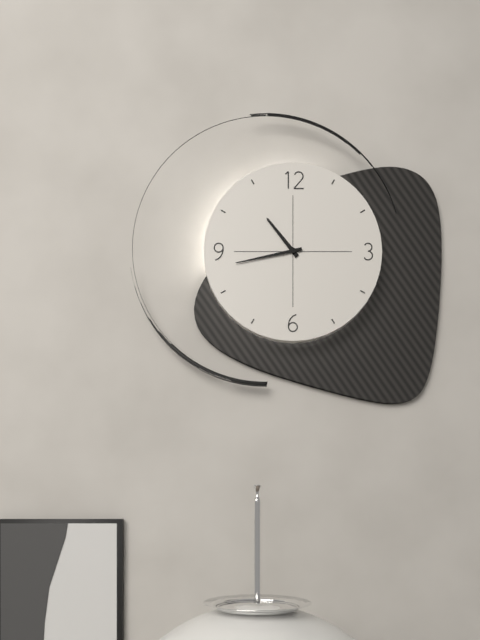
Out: h=10 m=43
